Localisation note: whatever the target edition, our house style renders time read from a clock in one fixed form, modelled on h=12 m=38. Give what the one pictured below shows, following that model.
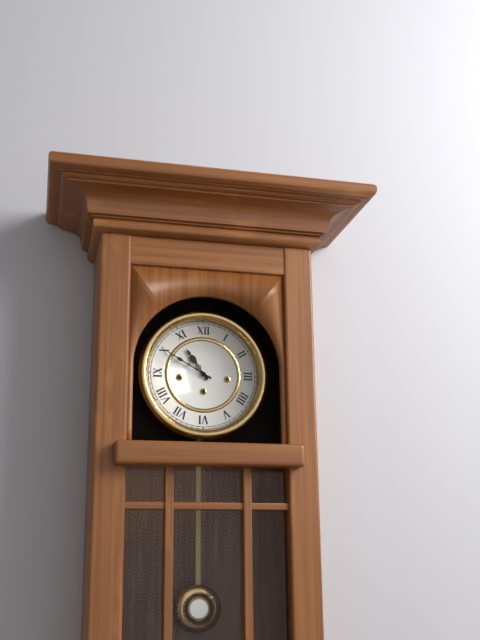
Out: h=10 m=50
